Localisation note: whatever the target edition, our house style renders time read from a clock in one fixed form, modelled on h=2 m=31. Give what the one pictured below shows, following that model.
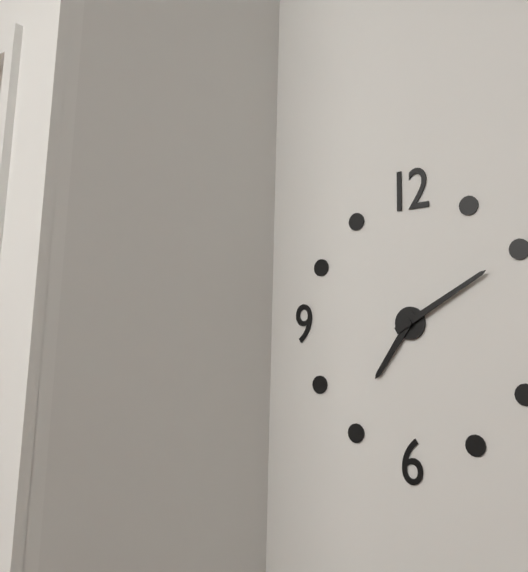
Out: h=7 m=10
